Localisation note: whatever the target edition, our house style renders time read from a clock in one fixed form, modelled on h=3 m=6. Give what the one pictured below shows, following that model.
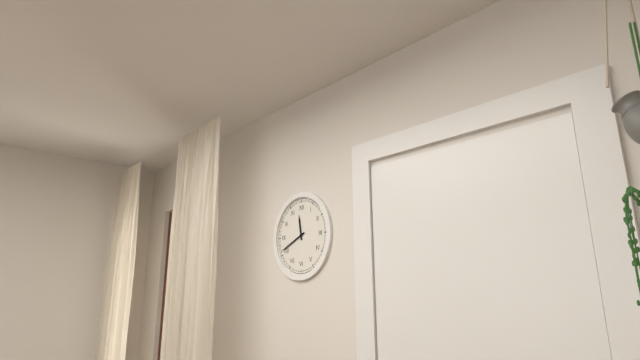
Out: h=11 m=41
